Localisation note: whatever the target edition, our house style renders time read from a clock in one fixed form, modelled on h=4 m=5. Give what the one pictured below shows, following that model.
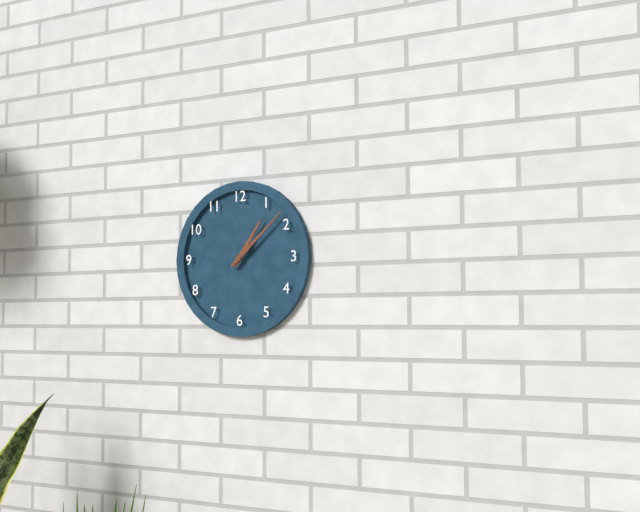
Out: h=1 m=8
